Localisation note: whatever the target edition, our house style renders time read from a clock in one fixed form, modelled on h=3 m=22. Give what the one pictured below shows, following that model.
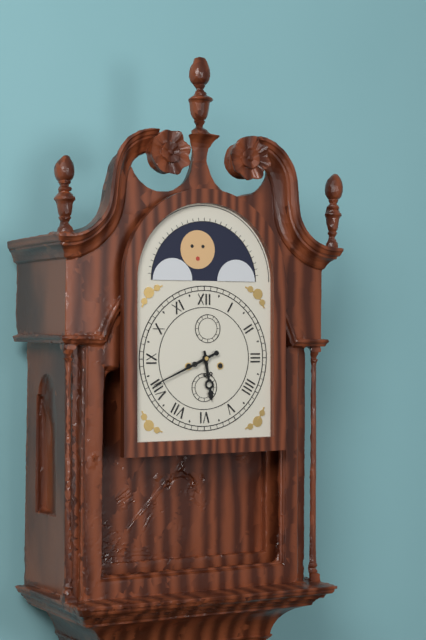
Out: h=5 m=41
